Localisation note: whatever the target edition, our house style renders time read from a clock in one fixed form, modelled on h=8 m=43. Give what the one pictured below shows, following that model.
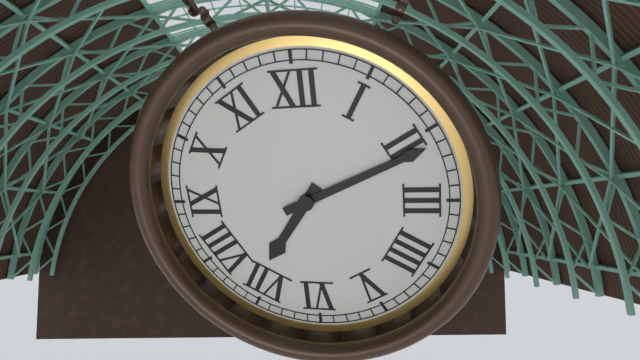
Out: h=7 m=11
